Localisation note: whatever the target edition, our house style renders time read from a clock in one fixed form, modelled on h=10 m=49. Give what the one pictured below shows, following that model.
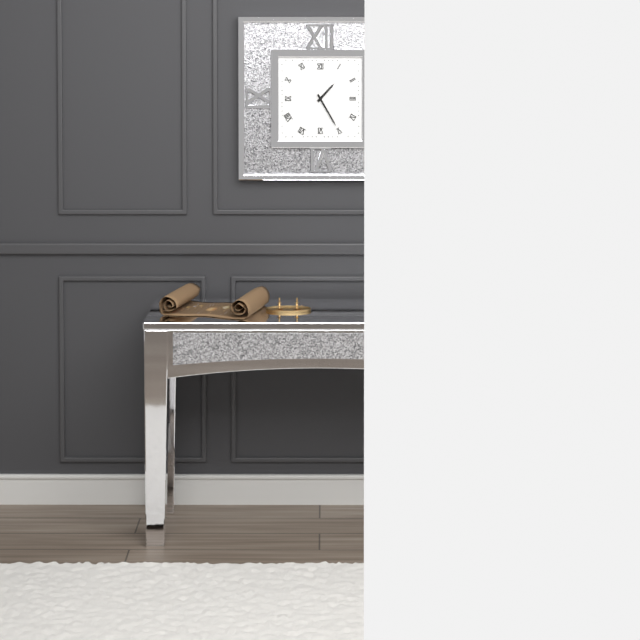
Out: h=1 m=25
